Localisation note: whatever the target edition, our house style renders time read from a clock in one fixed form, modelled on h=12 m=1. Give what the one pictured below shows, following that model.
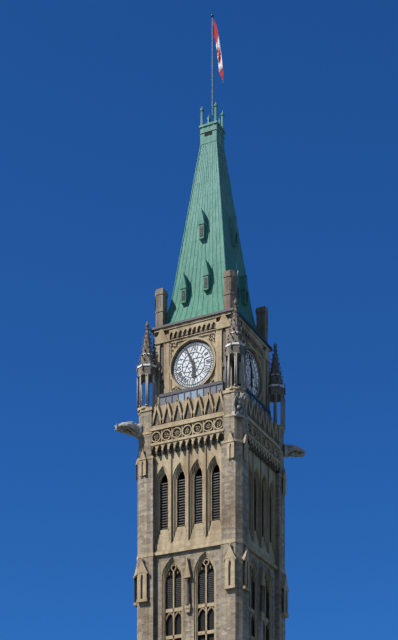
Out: h=5 m=56
